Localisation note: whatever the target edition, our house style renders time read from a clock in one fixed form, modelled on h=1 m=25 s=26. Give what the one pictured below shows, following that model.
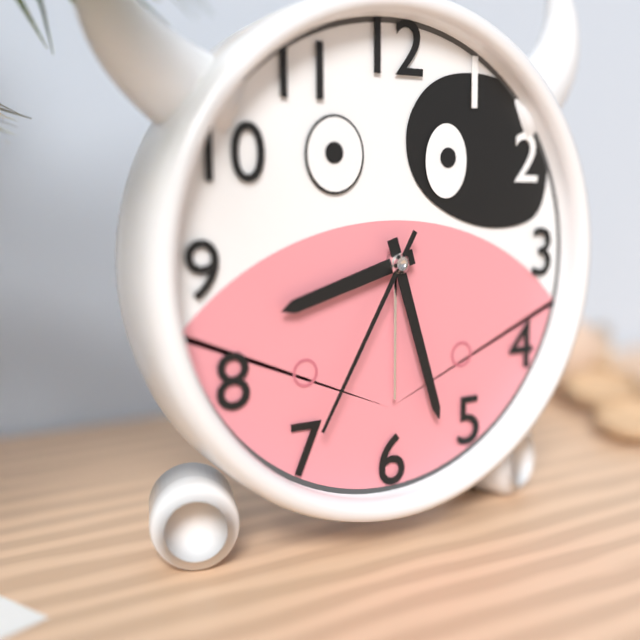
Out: h=8 m=27 s=35
